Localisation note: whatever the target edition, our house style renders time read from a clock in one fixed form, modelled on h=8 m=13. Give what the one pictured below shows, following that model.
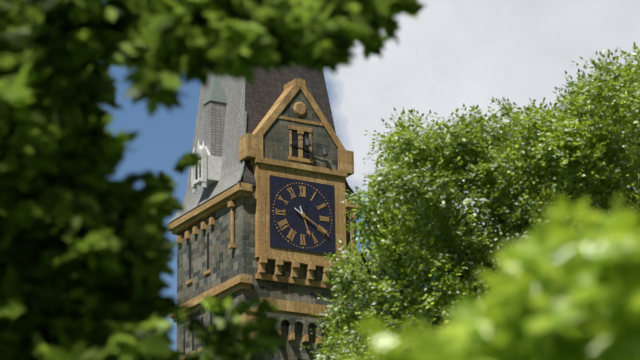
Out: h=5 m=20
